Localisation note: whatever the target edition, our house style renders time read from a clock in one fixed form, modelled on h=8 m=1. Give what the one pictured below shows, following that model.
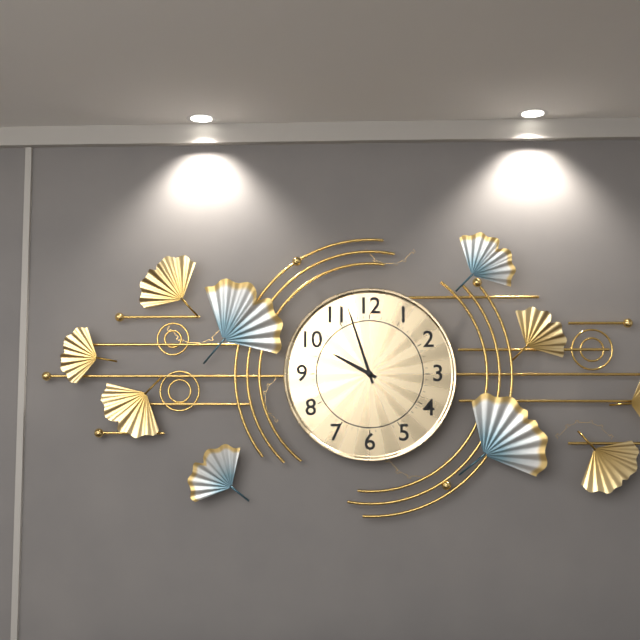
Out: h=9 m=57
